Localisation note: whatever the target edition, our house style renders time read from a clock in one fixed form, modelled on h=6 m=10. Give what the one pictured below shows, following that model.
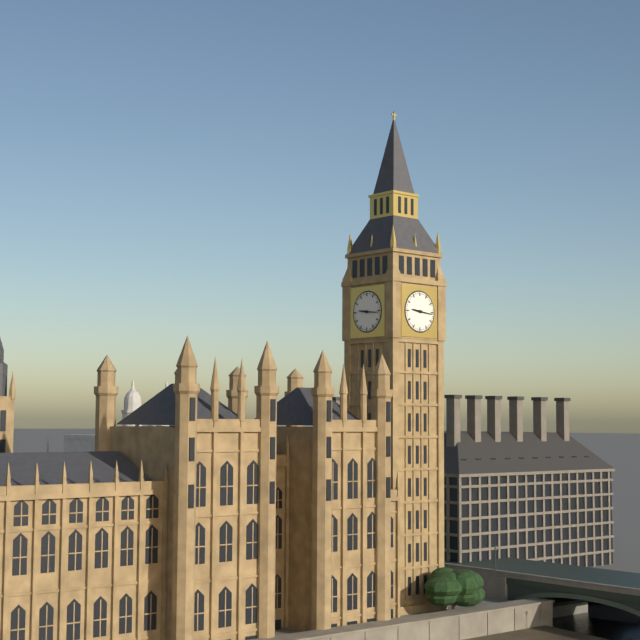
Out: h=9 m=16
